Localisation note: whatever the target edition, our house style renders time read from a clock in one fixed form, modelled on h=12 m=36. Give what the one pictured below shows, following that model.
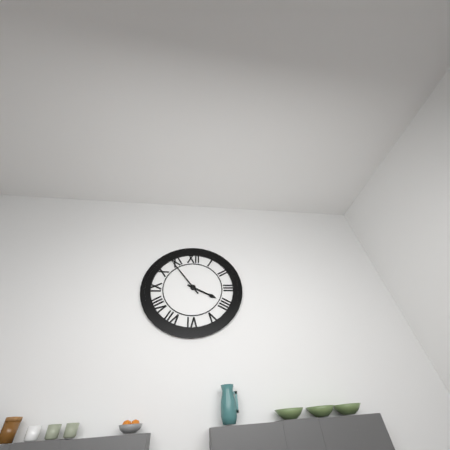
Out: h=3 m=54
